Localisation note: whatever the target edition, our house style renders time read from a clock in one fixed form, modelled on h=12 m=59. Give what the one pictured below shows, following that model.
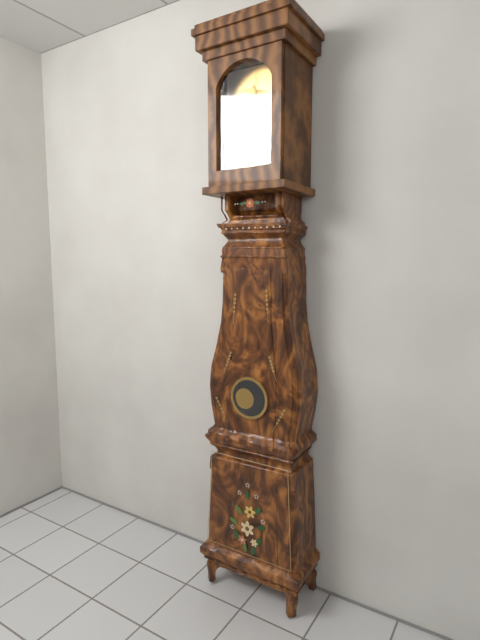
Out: h=5 m=4
